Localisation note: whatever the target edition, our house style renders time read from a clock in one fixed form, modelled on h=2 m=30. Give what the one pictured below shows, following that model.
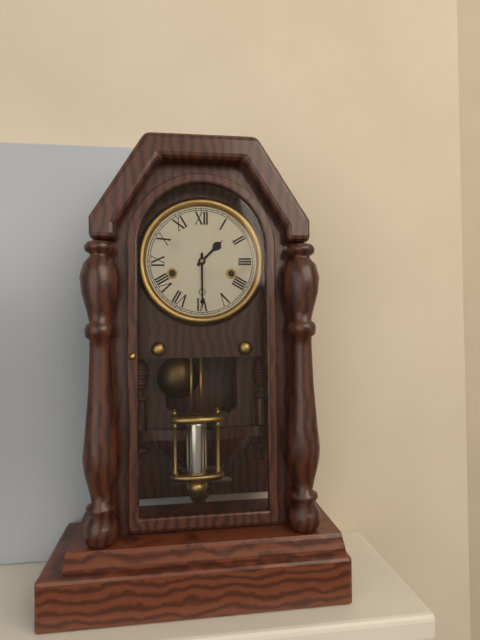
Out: h=1 m=30
